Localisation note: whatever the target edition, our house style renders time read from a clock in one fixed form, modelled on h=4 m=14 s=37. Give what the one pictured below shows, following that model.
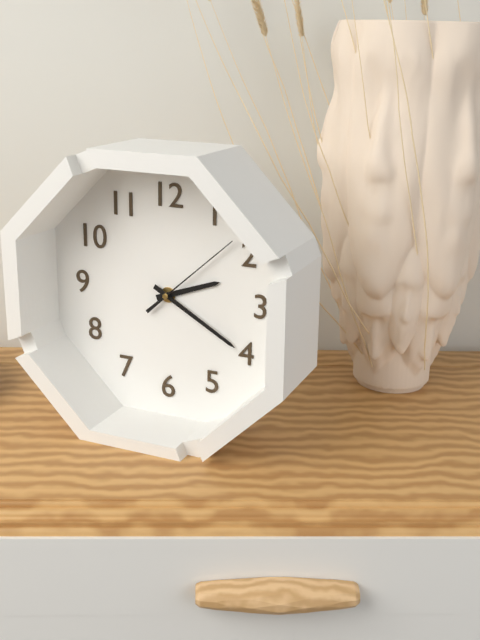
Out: h=2 m=20 s=8
